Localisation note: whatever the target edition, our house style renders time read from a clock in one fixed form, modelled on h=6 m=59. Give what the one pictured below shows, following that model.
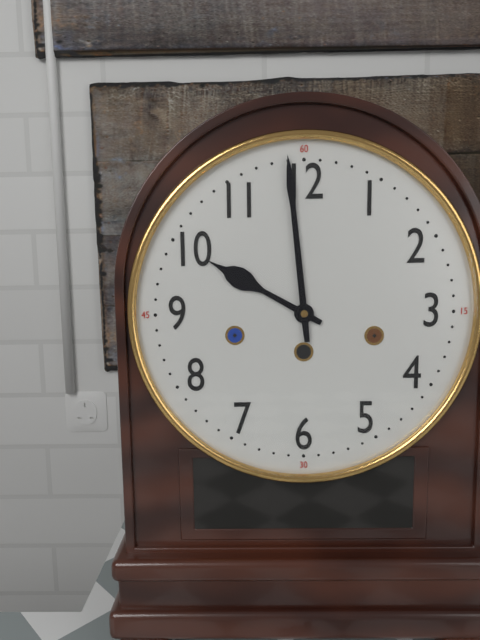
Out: h=9 m=59
